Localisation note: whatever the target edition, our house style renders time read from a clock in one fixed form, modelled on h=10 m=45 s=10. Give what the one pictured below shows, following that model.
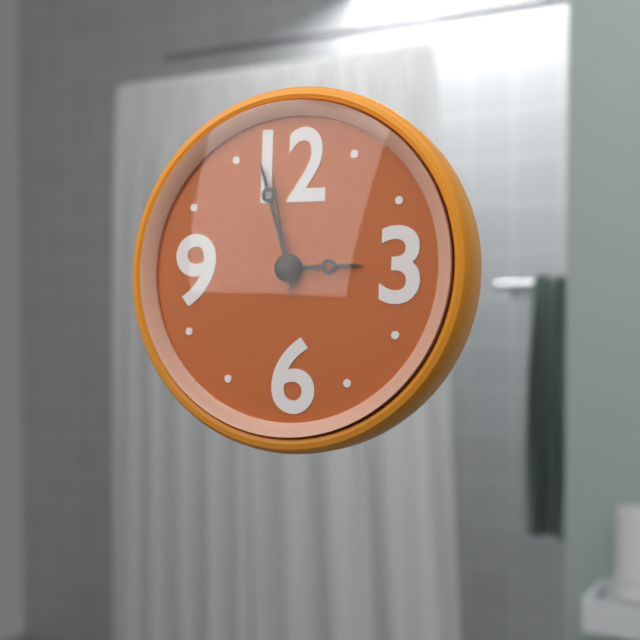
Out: h=2 m=57 s=58
